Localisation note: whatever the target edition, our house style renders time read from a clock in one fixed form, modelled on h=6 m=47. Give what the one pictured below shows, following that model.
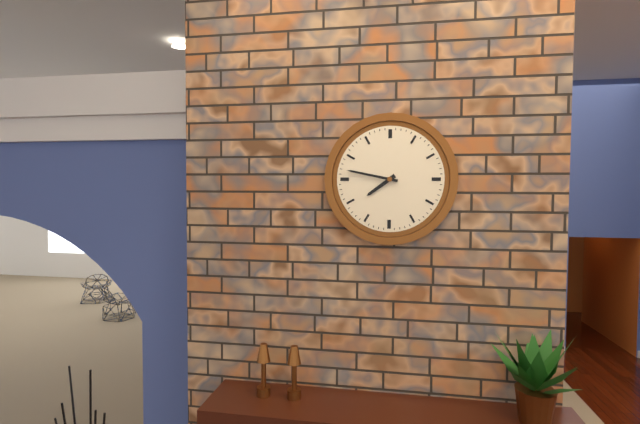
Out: h=7 m=47
